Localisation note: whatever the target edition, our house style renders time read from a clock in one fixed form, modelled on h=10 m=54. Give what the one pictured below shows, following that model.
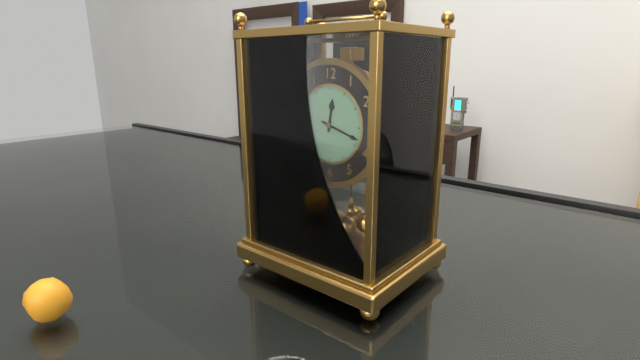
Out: h=12 m=18
